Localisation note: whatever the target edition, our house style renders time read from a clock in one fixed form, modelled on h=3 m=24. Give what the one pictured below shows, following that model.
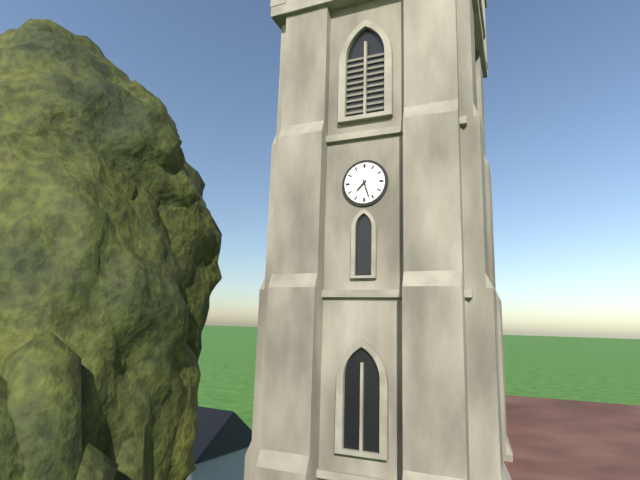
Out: h=7 m=27
